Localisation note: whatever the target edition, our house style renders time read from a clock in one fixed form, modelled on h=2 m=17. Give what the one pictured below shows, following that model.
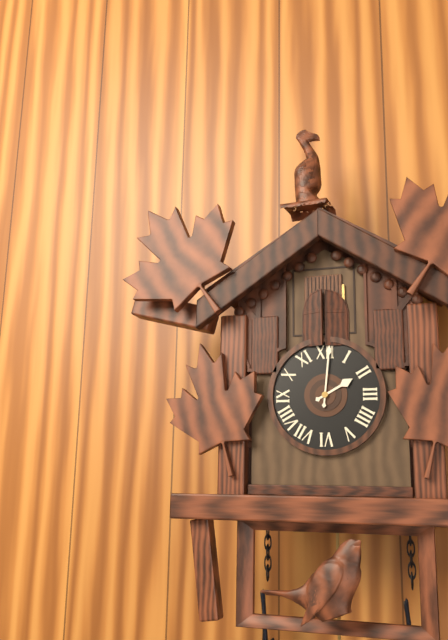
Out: h=2 m=1
